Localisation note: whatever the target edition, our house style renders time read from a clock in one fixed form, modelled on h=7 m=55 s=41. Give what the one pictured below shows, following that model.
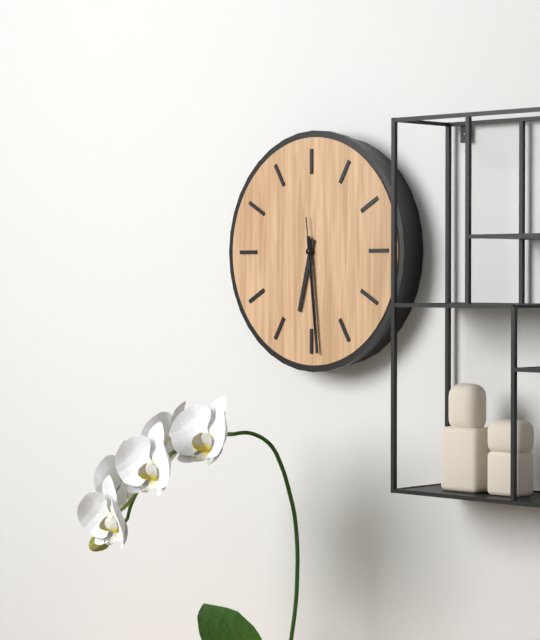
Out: h=6 m=29 s=29
